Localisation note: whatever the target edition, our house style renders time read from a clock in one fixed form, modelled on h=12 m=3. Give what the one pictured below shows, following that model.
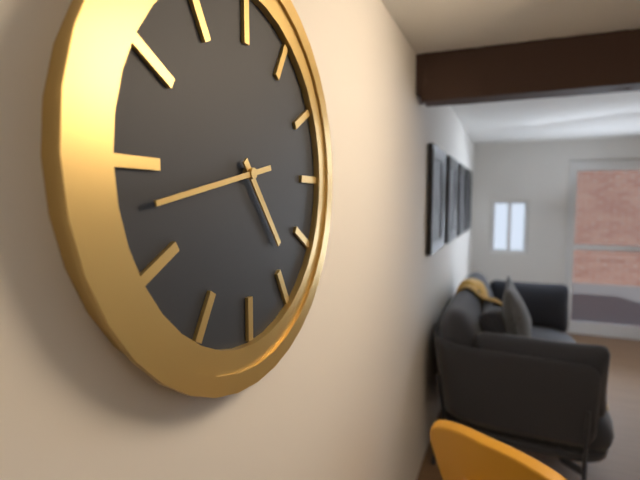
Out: h=4 m=43
